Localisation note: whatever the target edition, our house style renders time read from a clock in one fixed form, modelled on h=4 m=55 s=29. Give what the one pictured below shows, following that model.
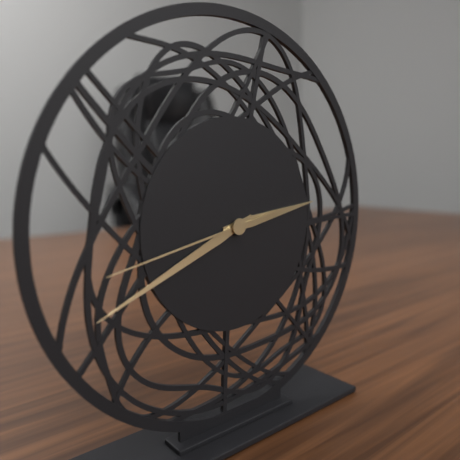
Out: h=2 m=41 s=43
